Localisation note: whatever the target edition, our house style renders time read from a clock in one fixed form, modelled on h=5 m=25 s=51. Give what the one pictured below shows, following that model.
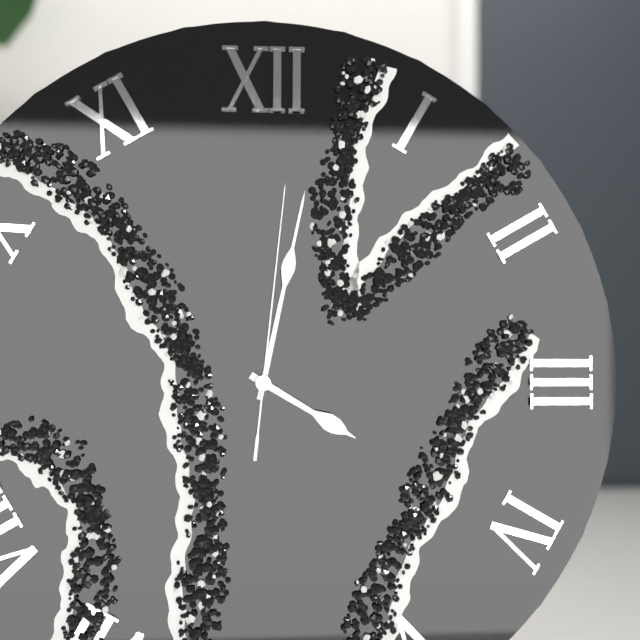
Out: h=4 m=2 s=1
